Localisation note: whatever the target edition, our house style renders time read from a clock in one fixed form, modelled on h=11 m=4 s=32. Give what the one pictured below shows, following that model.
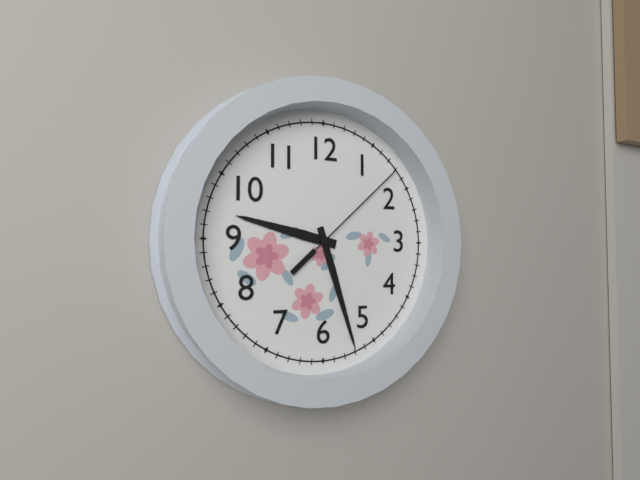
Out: h=9 m=27 s=8
